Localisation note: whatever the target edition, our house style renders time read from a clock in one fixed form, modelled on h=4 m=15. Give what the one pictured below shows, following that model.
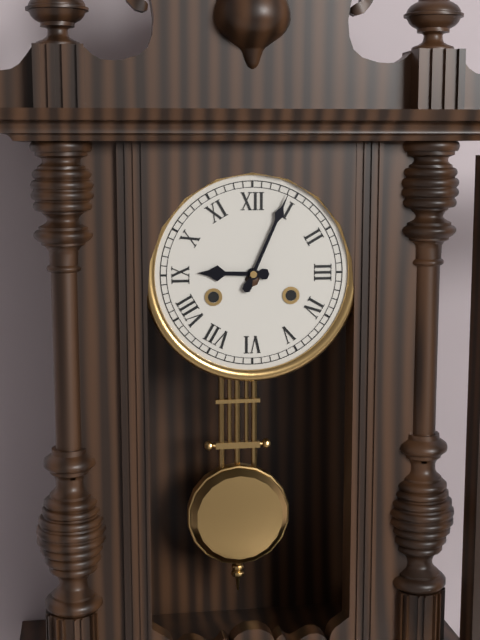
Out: h=9 m=4
